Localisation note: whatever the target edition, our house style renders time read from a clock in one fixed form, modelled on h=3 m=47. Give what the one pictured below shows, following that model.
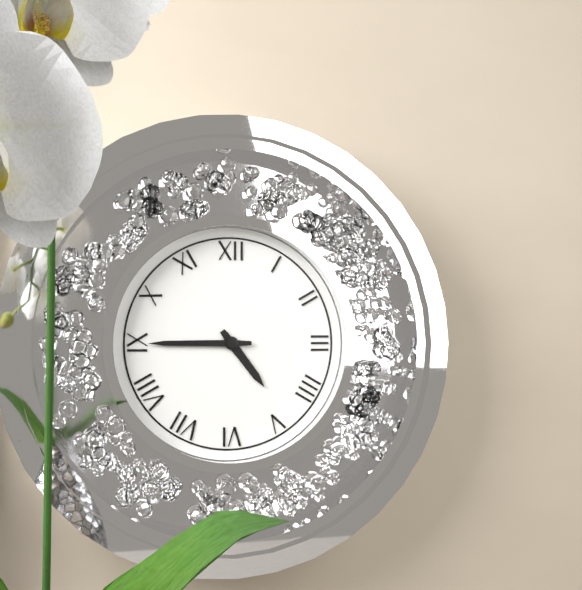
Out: h=4 m=45
